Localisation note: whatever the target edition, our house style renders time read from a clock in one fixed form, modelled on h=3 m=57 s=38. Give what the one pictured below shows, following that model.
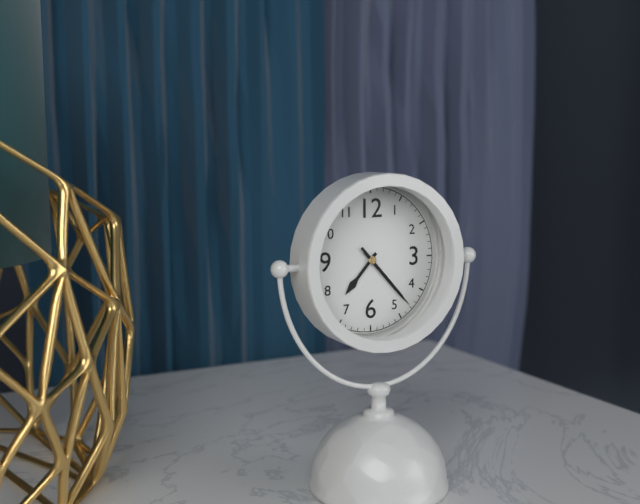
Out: h=7 m=23 s=23
